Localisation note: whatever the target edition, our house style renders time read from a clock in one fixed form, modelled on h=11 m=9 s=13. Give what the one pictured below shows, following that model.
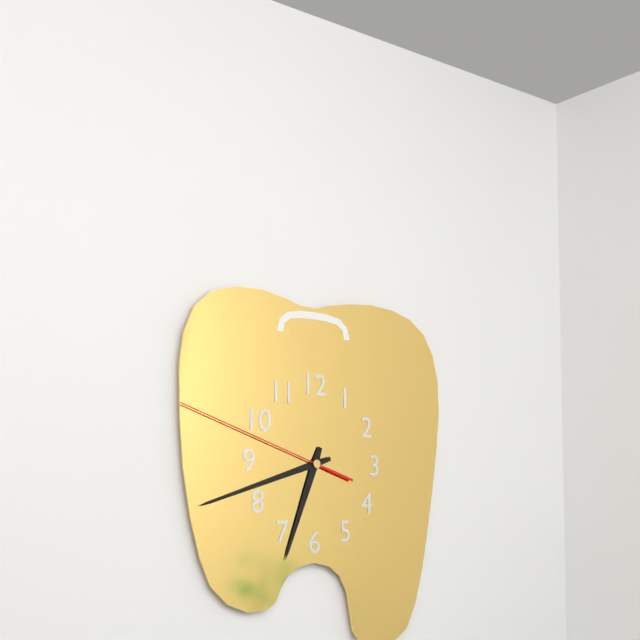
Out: h=6 m=42 s=48
